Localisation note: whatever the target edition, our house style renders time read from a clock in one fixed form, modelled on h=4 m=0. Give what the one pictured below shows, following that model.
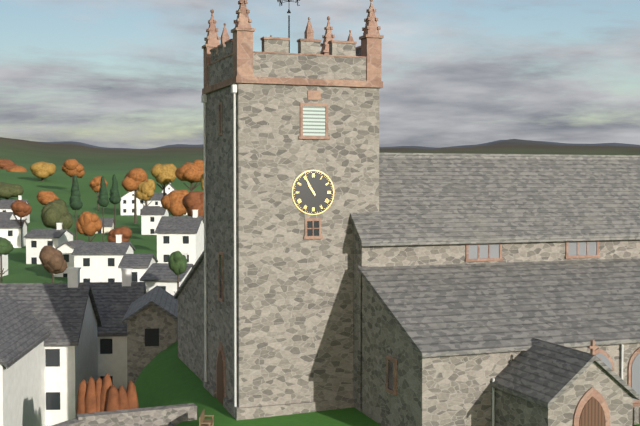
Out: h=10 m=55
